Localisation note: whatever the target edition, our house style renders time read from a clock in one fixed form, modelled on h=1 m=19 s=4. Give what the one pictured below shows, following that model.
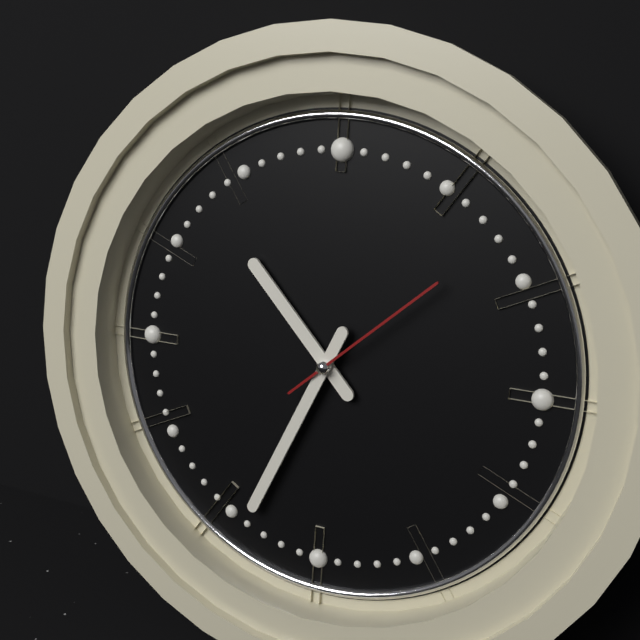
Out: h=10 m=34 s=8
